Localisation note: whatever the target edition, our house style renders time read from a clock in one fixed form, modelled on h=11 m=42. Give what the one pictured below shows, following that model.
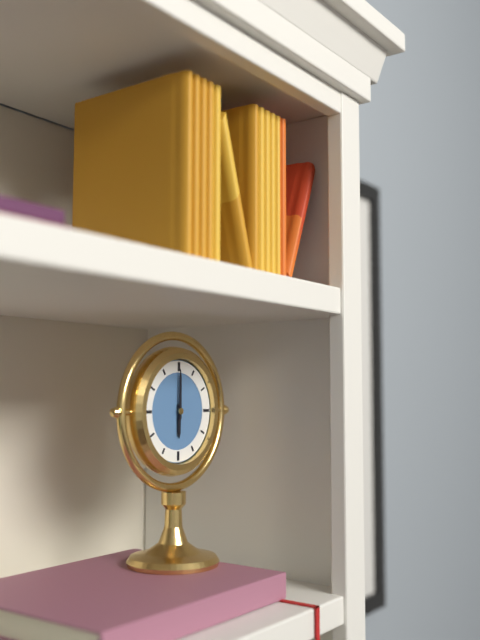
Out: h=6 m=0
